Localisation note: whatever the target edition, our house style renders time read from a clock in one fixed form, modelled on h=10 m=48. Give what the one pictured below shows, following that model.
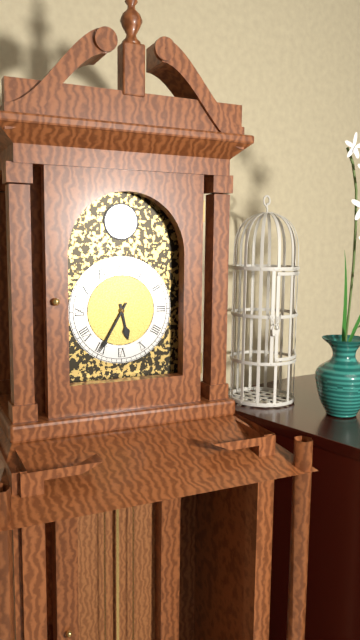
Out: h=5 m=35
